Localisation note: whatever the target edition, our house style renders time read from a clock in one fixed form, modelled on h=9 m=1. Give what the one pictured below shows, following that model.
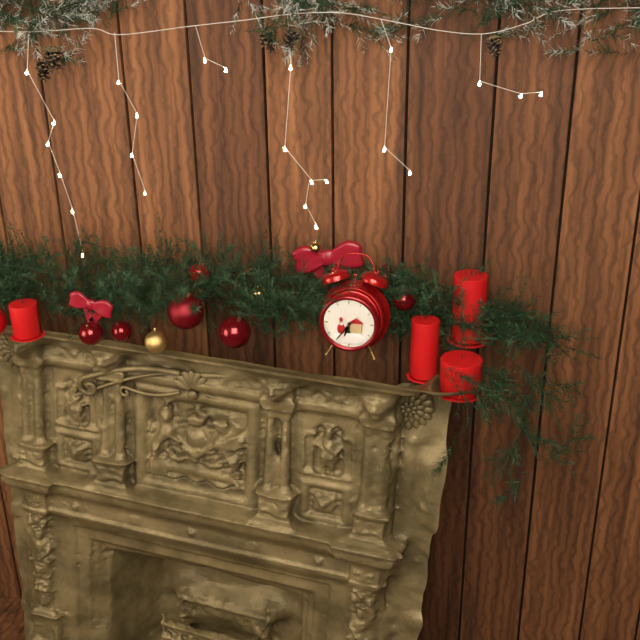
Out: h=6 m=36
